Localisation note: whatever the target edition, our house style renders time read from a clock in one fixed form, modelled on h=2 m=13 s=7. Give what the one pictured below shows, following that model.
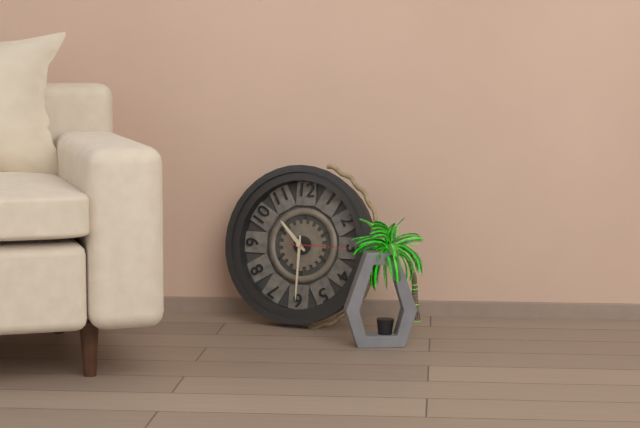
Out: h=10 m=30 s=15
